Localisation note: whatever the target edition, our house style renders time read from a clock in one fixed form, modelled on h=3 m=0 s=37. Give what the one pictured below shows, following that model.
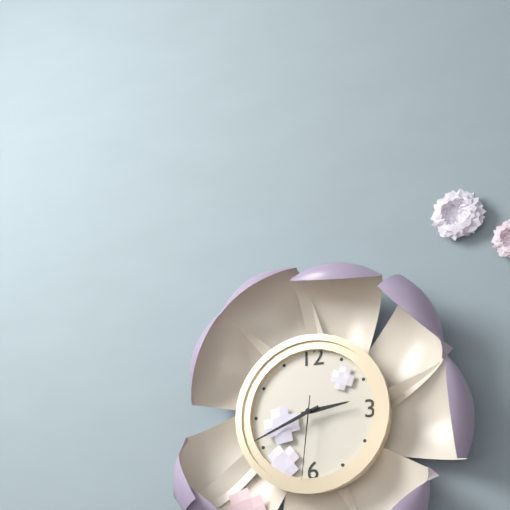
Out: h=2 m=41 s=31
